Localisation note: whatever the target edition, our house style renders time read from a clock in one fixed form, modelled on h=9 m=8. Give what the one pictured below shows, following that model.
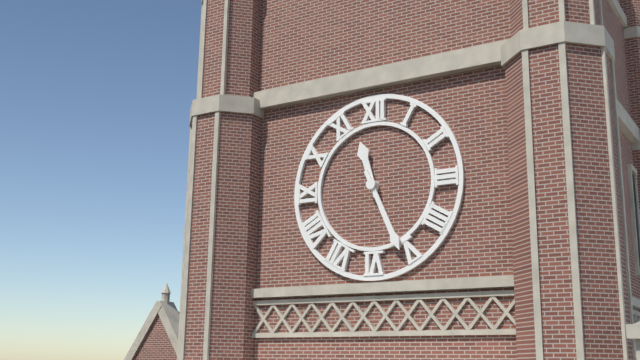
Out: h=11 m=26
